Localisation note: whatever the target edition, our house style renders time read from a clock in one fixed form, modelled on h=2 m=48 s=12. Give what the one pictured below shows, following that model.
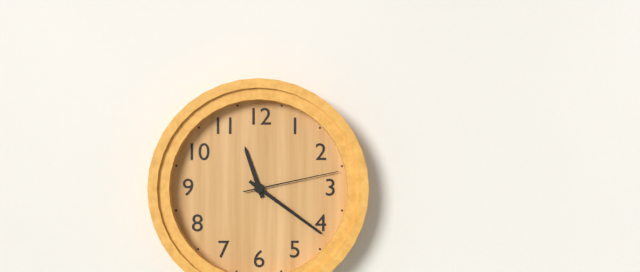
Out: h=11 m=21 s=13
